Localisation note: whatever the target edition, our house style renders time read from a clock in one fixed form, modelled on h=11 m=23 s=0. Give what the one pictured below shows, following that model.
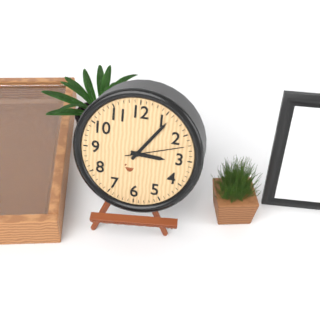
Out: h=3 m=6 s=12
